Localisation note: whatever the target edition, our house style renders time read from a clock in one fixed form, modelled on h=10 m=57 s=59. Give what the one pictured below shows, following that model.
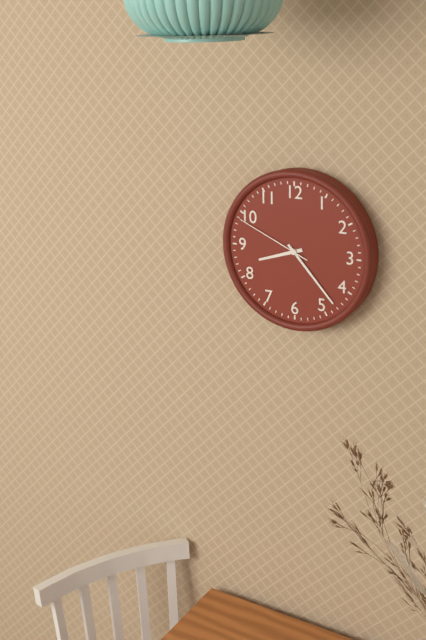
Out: h=8 m=23 s=49
